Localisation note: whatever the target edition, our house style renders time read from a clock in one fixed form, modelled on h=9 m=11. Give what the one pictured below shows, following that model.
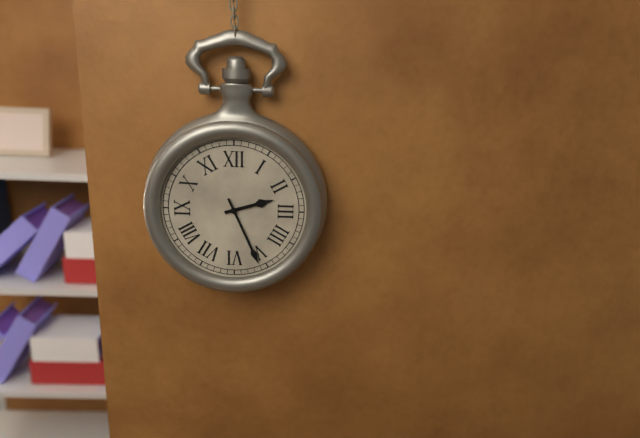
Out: h=2 m=26
